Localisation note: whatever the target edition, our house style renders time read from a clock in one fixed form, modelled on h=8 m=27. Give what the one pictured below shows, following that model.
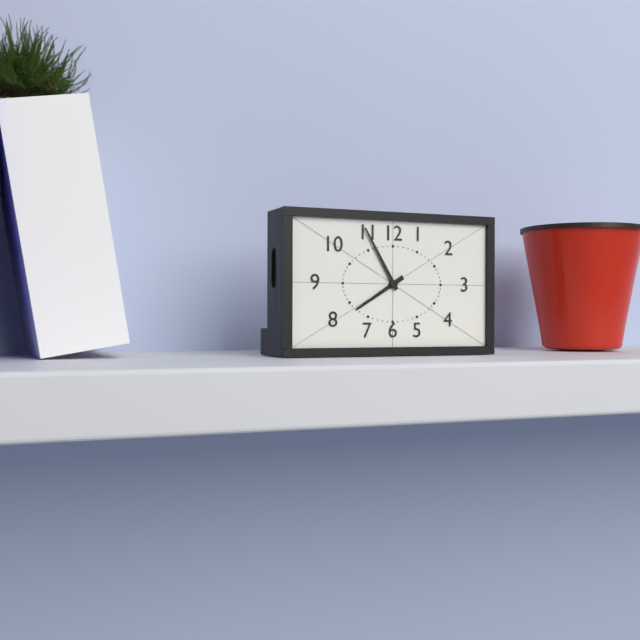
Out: h=7 m=55
